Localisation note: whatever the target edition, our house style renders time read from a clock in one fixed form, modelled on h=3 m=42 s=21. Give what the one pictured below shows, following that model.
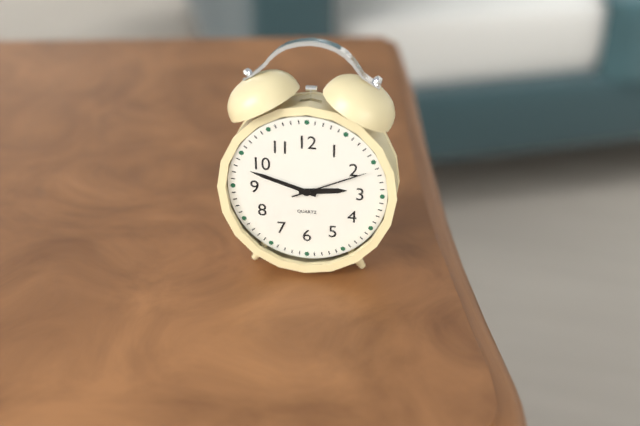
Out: h=2 m=48 s=11
